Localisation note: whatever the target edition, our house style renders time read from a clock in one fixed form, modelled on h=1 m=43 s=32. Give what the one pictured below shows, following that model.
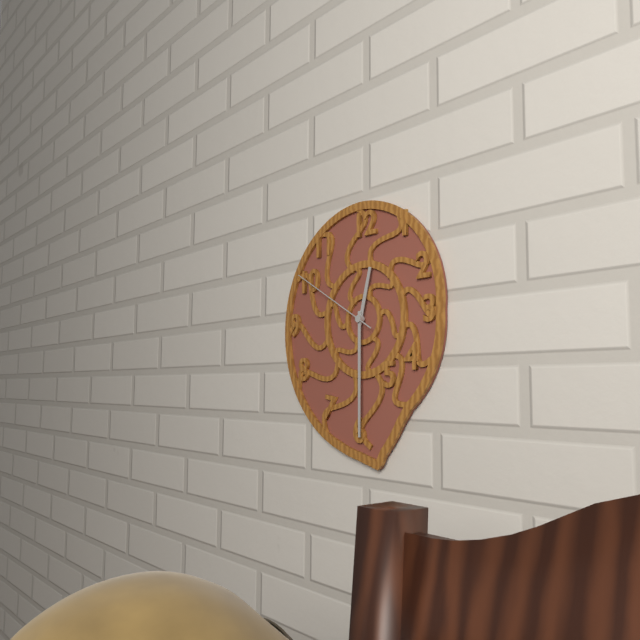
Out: h=12 m=30 s=50
